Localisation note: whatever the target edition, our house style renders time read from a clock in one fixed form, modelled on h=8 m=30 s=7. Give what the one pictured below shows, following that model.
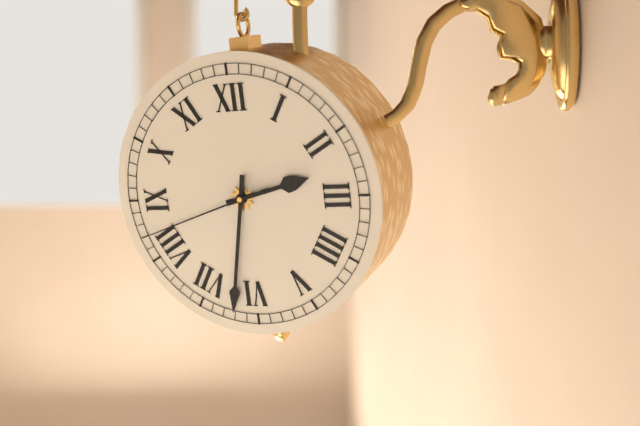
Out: h=2 m=32 s=42
